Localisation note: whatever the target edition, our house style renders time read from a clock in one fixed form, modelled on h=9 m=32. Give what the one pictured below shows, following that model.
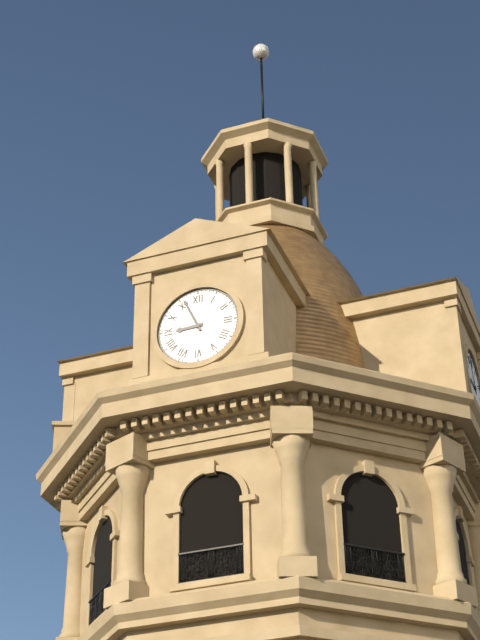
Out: h=8 m=56
